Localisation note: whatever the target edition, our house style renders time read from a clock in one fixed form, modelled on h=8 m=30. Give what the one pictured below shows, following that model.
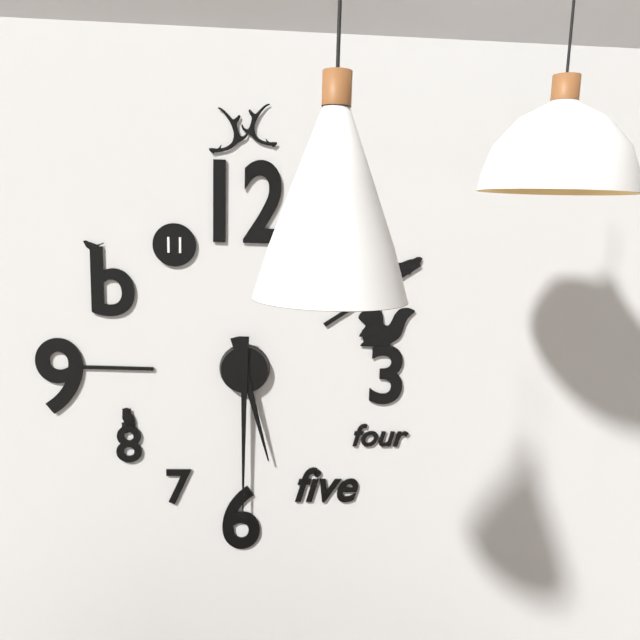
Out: h=5 m=30
